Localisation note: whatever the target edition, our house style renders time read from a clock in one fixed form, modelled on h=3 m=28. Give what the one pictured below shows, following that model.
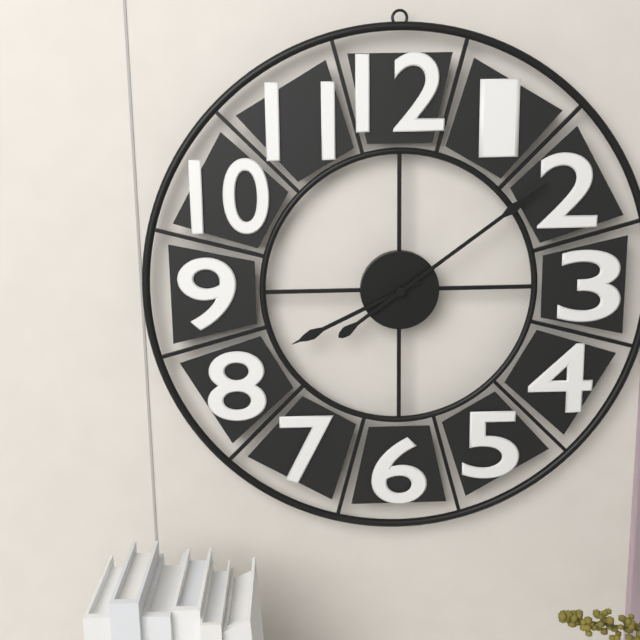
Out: h=8 m=9
